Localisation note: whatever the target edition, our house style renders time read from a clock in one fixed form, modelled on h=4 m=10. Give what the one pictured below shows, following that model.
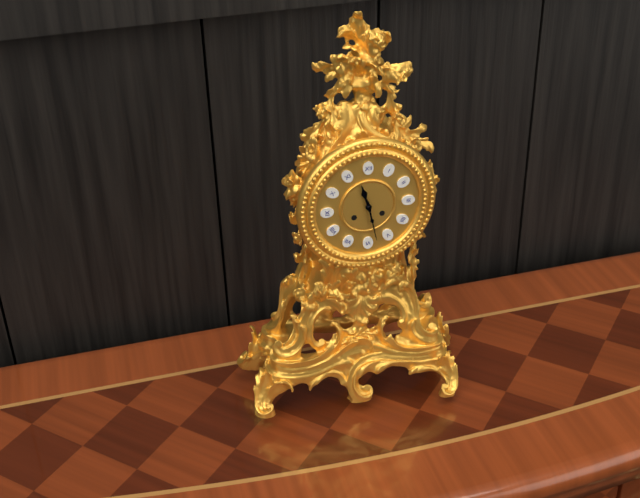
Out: h=11 m=28
